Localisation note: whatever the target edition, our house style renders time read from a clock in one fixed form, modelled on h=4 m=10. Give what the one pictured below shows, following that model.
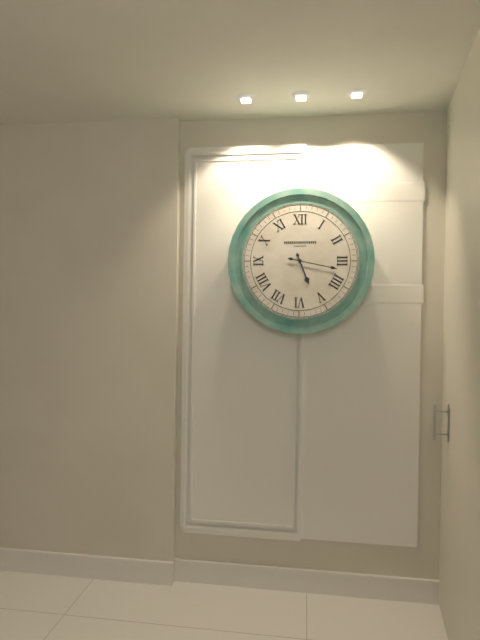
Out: h=5 m=17
